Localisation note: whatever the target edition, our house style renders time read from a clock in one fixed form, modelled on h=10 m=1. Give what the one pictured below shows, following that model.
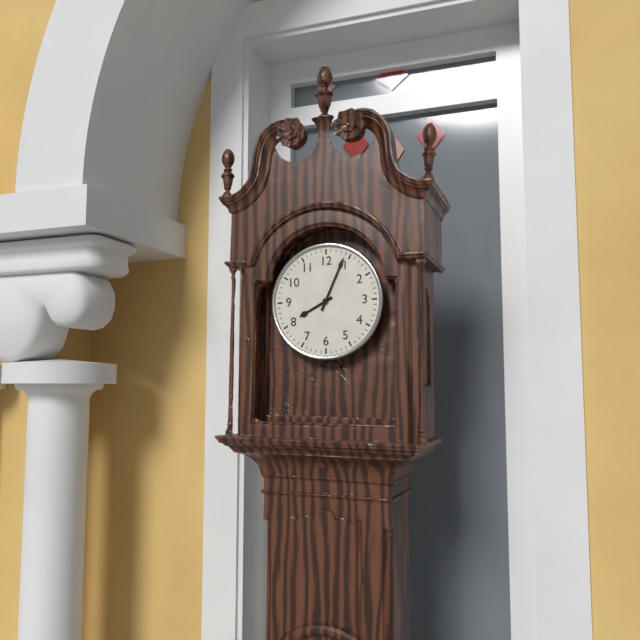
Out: h=8 m=4
